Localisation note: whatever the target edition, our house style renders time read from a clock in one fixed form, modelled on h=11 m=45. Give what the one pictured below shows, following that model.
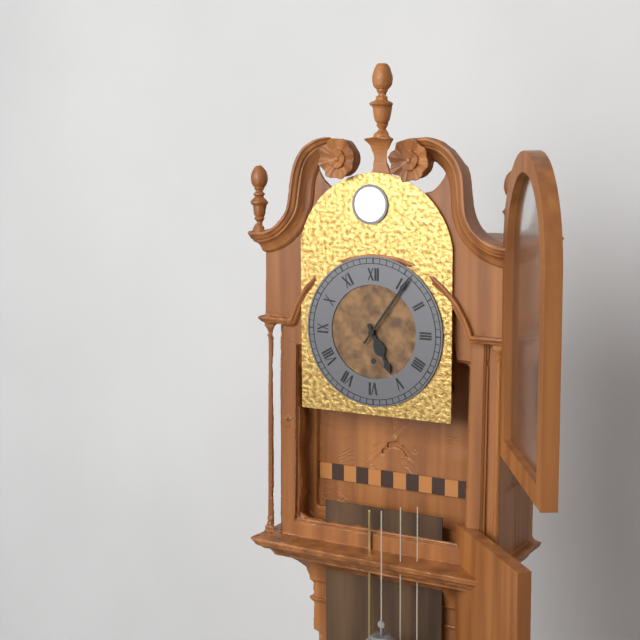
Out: h=5 m=6
